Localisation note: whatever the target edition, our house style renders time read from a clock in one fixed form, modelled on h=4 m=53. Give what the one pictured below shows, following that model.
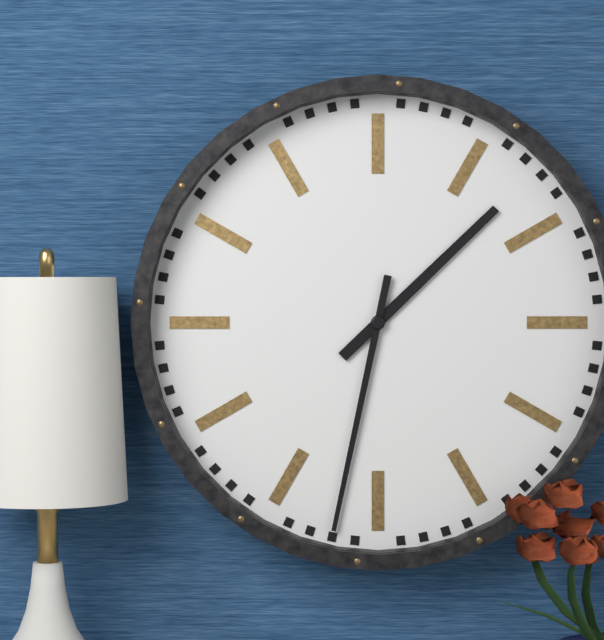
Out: h=1 m=32
